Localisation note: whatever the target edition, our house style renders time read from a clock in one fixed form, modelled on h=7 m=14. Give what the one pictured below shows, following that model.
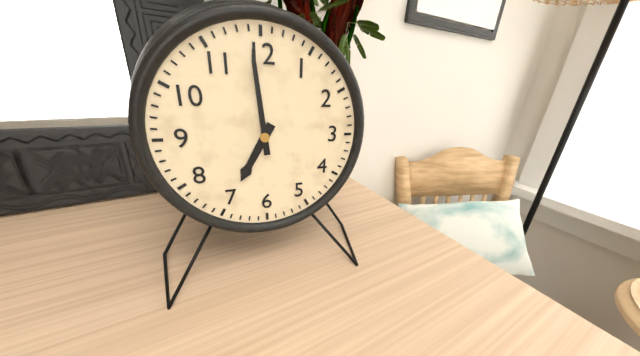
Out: h=6 m=59
